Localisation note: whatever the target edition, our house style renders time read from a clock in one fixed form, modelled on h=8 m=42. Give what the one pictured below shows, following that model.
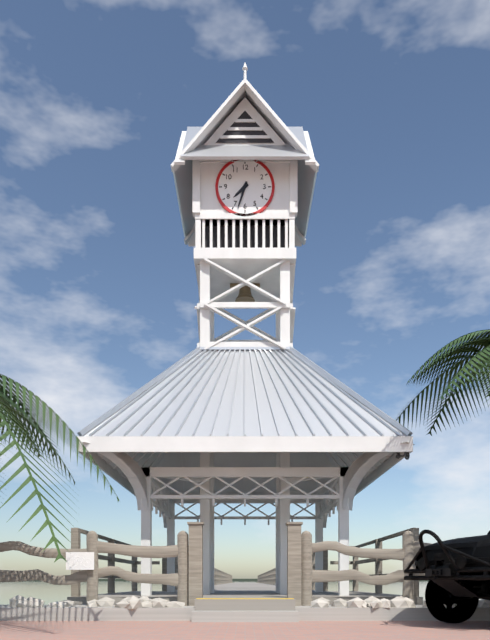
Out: h=7 m=33
